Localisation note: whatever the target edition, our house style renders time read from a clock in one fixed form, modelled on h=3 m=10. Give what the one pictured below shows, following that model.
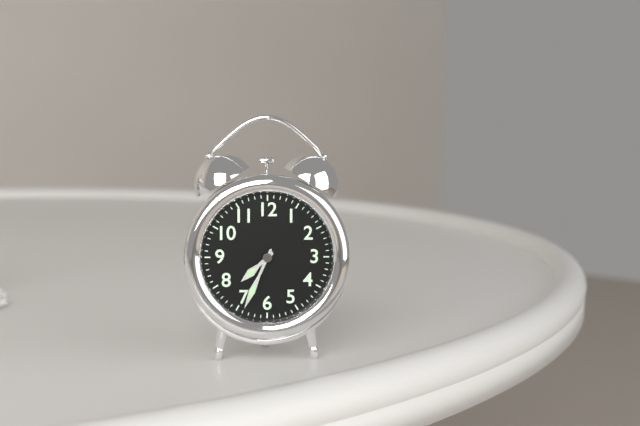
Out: h=7 m=34
